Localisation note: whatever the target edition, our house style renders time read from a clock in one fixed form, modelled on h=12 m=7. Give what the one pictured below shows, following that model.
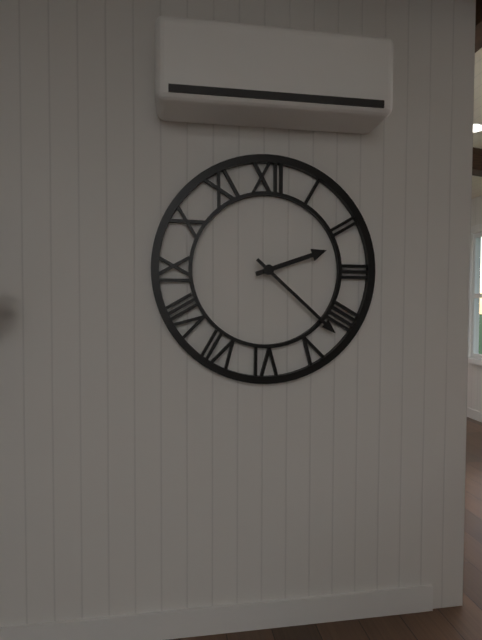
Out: h=2 m=22
